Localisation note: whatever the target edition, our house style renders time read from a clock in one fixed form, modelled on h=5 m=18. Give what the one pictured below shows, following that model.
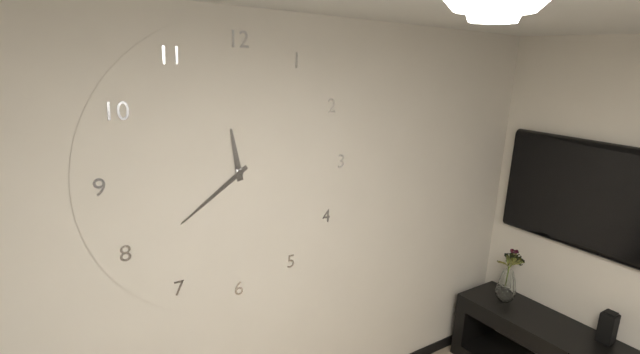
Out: h=11 m=39
